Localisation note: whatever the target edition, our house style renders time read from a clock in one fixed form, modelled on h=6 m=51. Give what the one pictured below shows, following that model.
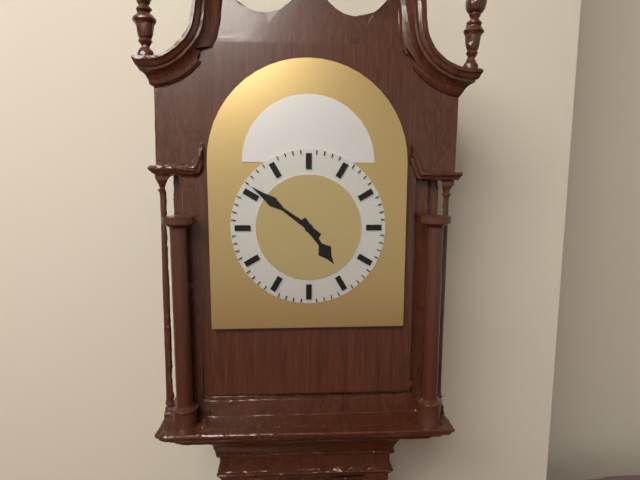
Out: h=4 m=51
